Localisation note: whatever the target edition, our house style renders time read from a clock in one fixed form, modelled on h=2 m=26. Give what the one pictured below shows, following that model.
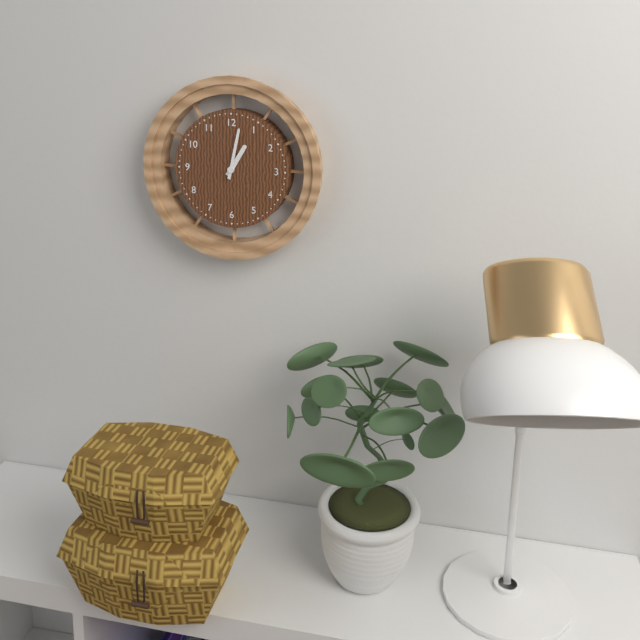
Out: h=1 m=2
